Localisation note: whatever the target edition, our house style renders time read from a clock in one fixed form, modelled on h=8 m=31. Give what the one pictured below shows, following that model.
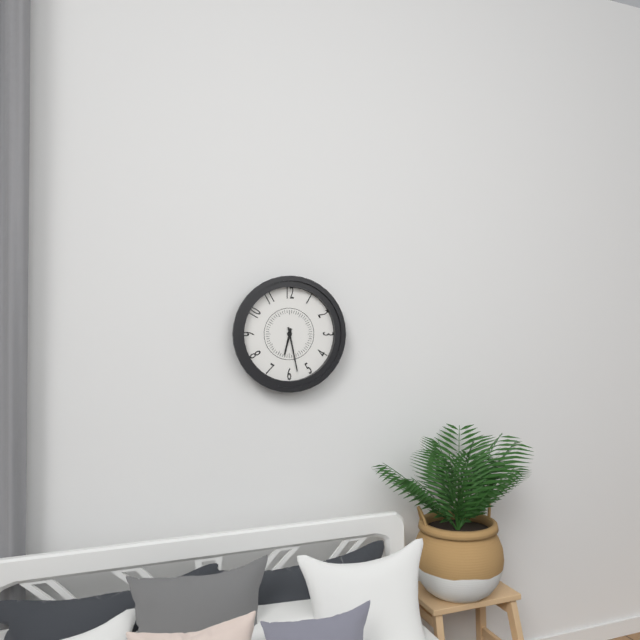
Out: h=6 m=28
